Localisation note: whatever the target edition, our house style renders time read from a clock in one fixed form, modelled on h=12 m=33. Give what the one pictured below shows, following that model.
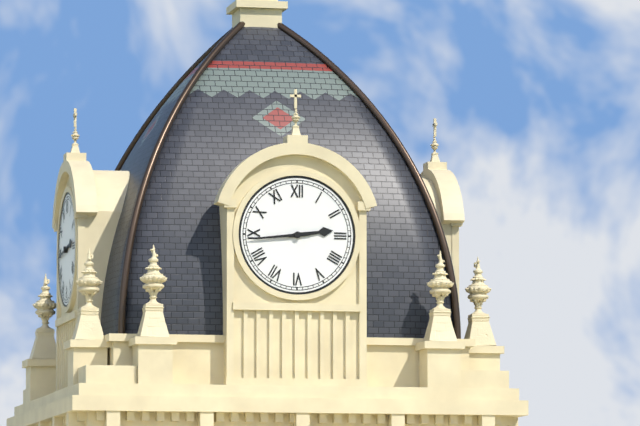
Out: h=2 m=44
